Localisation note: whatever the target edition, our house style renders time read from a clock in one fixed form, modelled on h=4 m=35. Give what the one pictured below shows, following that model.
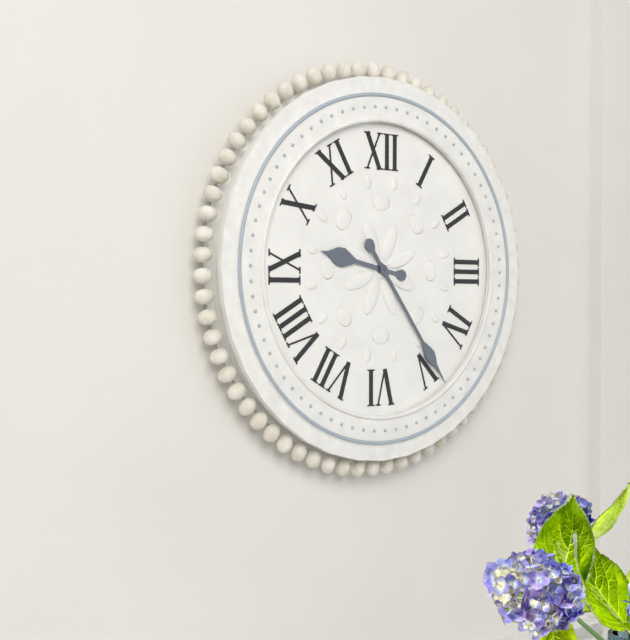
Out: h=9 m=24
